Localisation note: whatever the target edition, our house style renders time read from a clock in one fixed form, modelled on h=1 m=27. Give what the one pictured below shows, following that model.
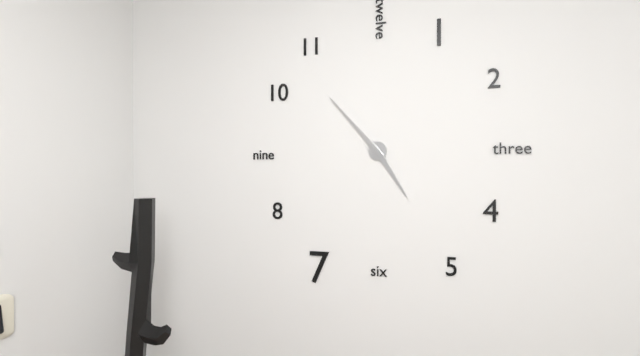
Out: h=4 m=53
